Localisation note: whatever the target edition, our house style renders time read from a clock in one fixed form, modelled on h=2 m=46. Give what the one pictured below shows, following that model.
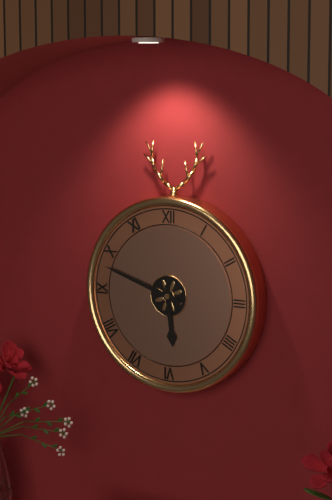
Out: h=5 m=48
